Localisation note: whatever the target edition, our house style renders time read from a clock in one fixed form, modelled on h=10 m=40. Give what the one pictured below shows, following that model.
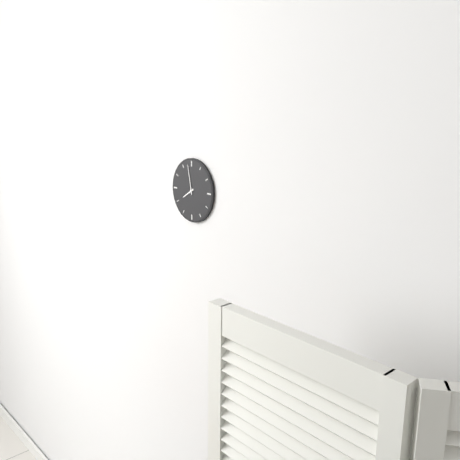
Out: h=7 m=58
